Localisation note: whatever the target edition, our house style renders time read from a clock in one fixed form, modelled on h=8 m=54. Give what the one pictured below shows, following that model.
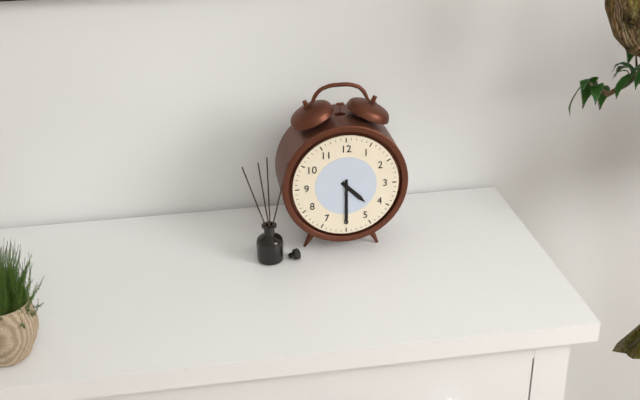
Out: h=4 m=30
